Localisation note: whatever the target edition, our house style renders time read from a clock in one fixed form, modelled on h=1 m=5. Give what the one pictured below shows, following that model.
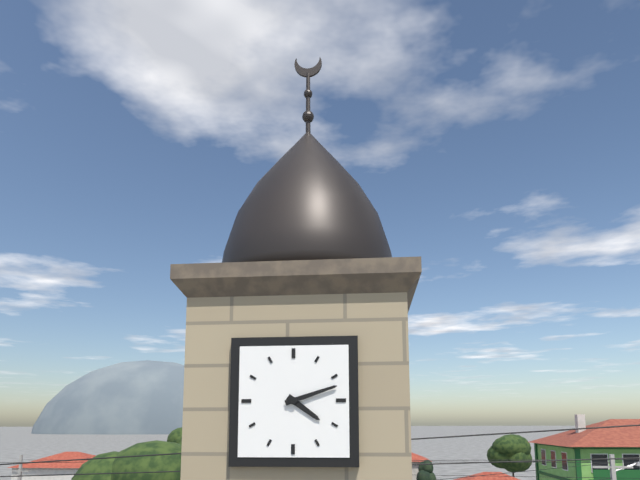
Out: h=4 m=12
